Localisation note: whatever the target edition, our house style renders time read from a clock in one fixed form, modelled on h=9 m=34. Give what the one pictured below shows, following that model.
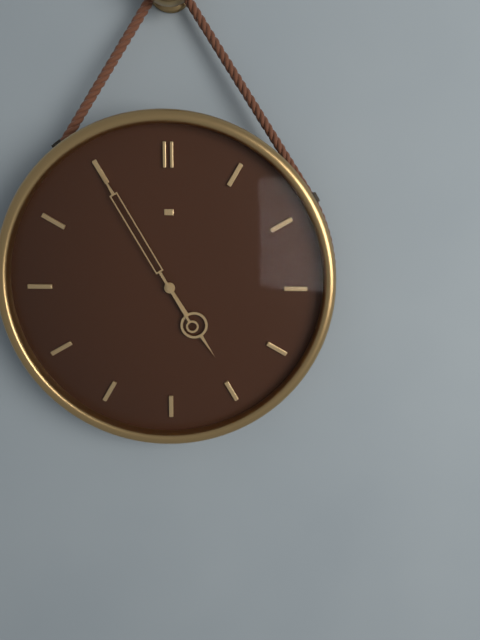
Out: h=4 m=55
